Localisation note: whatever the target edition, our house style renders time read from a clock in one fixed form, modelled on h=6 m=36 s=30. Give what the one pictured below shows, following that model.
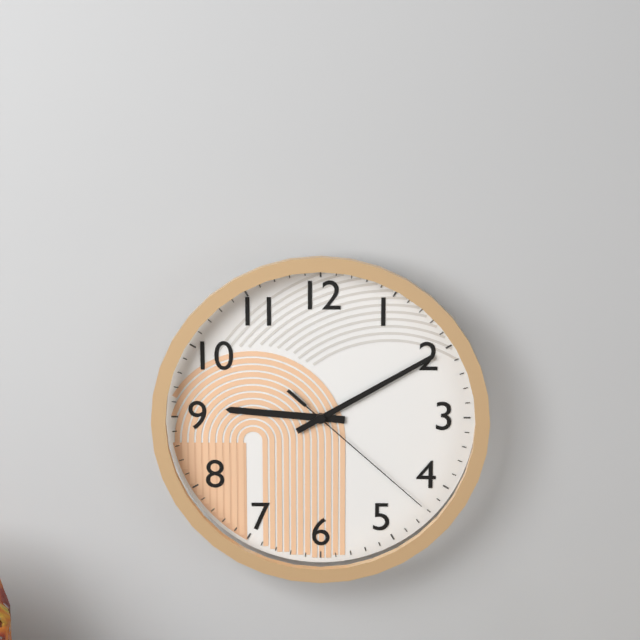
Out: h=9 m=10 s=22
